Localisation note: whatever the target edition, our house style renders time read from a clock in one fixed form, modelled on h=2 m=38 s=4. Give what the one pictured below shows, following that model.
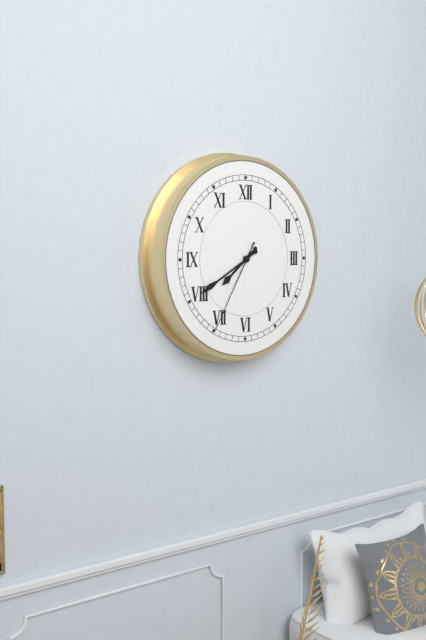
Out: h=7 m=40 s=35
